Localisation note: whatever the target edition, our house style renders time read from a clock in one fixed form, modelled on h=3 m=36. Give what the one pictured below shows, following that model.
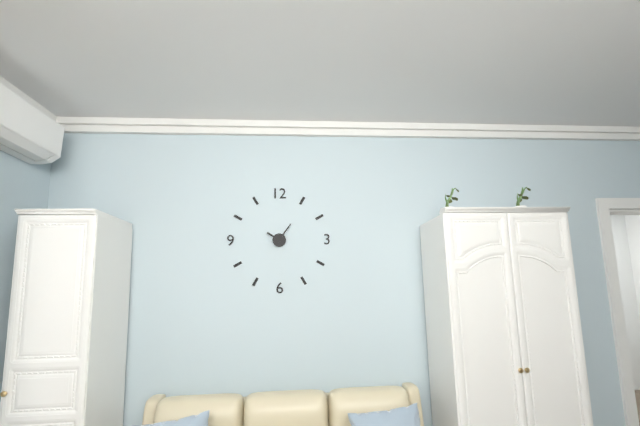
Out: h=10 m=6
